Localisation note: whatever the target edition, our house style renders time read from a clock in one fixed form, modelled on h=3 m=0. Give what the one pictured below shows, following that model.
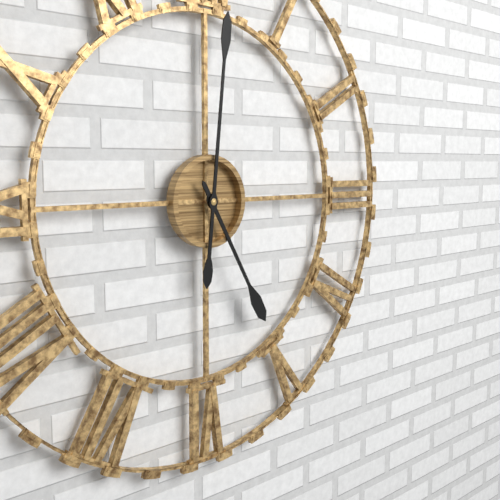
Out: h=5 m=1
